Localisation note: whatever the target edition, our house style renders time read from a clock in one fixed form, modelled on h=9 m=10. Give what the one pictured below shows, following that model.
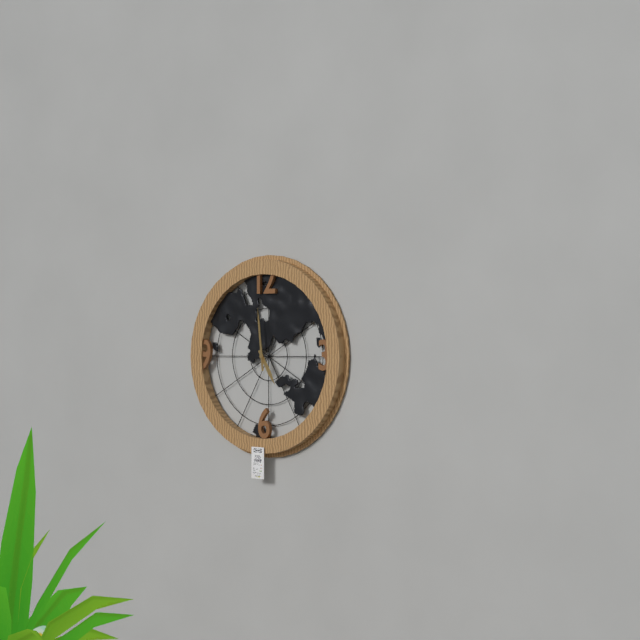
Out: h=4 m=59
